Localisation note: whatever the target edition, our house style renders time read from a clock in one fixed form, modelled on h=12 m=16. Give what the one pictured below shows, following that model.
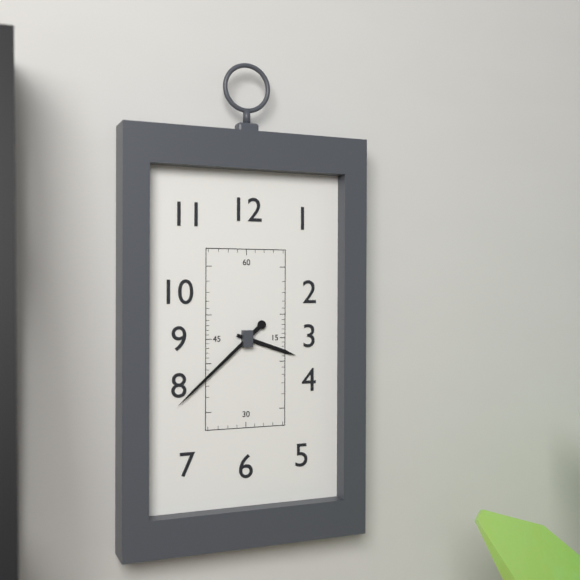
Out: h=3 m=38
